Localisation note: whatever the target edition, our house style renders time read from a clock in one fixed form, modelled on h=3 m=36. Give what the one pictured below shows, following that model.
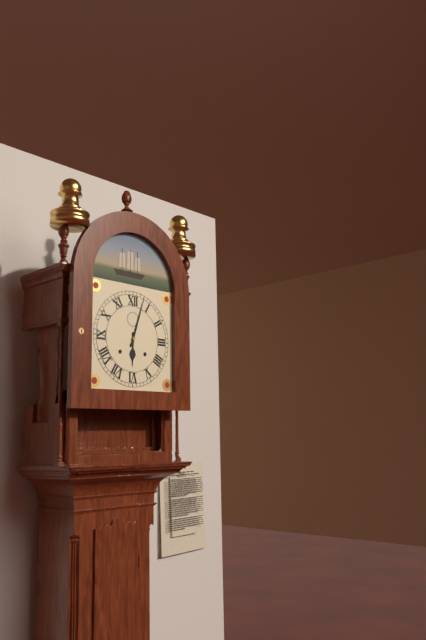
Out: h=6 m=3
